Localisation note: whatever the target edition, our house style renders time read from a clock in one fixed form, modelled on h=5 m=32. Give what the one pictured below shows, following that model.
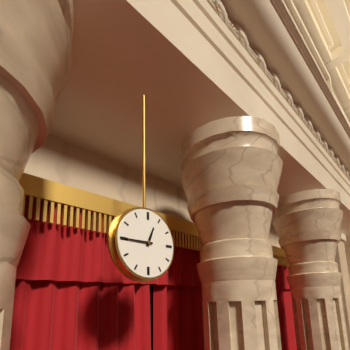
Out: h=12 m=45
